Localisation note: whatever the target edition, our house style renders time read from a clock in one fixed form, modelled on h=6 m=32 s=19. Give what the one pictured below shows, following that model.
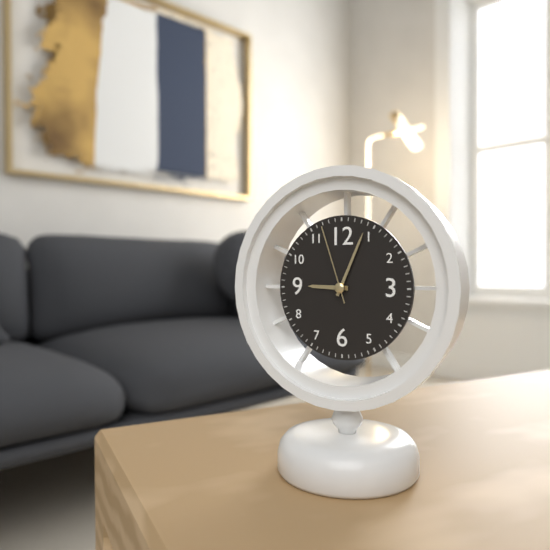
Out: h=9 m=4 s=57
